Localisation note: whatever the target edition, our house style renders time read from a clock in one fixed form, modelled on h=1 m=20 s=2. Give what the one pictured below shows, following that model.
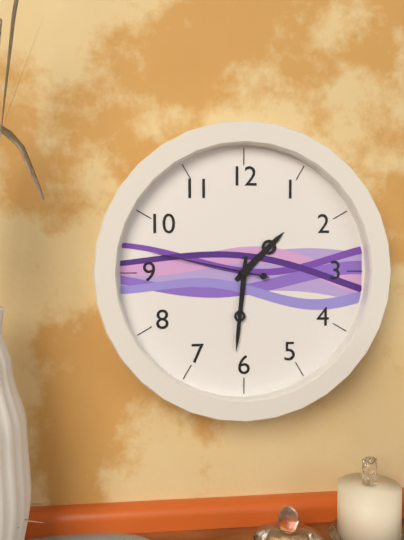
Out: h=1 m=31 s=47
